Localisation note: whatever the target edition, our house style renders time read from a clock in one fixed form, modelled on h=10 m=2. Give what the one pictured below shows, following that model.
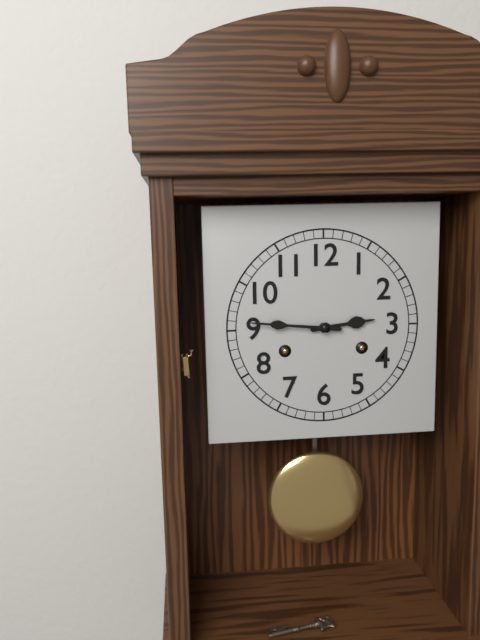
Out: h=2 m=46
